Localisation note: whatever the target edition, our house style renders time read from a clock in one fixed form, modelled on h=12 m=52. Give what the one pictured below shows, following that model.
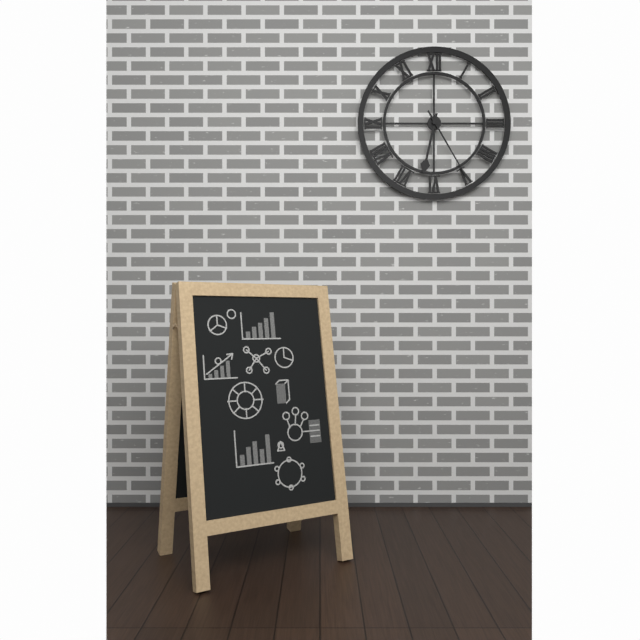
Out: h=6 m=25
